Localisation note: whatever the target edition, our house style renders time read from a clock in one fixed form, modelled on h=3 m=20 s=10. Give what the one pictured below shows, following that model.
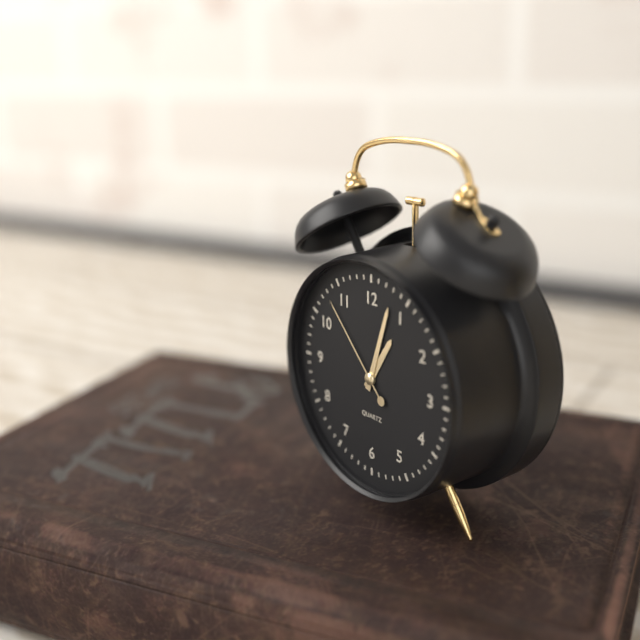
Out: h=1 m=3 s=53
